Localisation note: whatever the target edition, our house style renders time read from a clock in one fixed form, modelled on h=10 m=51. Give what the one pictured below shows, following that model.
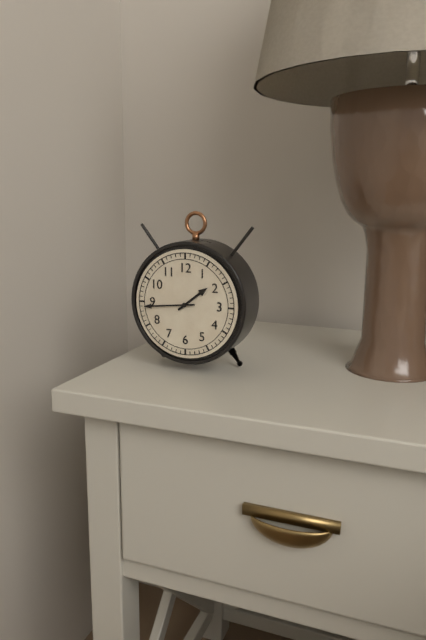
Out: h=1 m=44
